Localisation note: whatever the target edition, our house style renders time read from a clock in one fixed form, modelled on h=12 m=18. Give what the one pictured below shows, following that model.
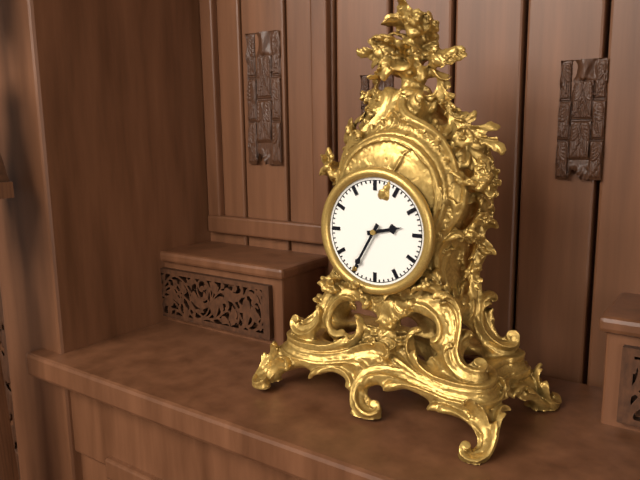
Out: h=2 m=35
